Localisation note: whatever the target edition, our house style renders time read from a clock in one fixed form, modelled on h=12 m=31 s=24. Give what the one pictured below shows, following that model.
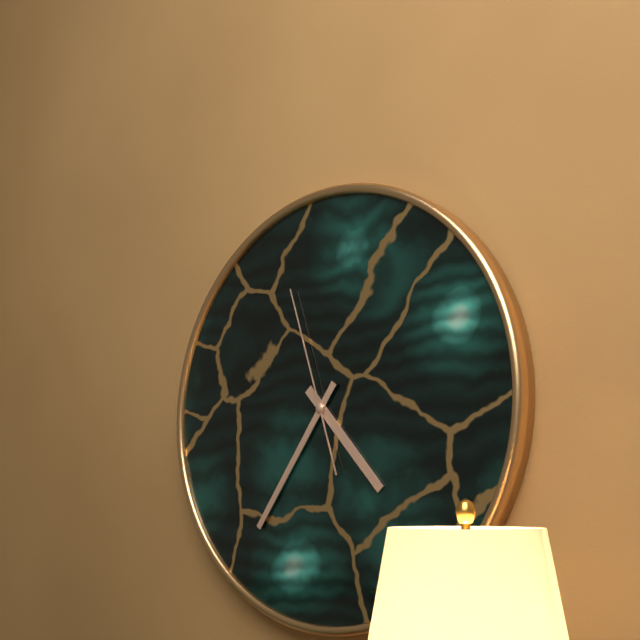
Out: h=4 m=36 s=57
